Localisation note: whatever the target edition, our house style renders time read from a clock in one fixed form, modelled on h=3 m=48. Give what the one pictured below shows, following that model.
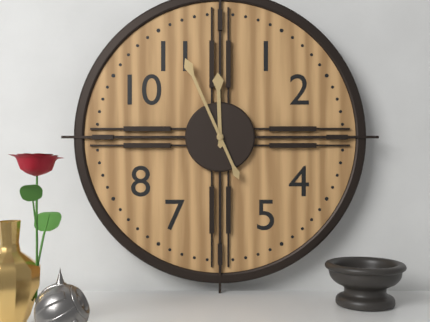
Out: h=11 m=56
